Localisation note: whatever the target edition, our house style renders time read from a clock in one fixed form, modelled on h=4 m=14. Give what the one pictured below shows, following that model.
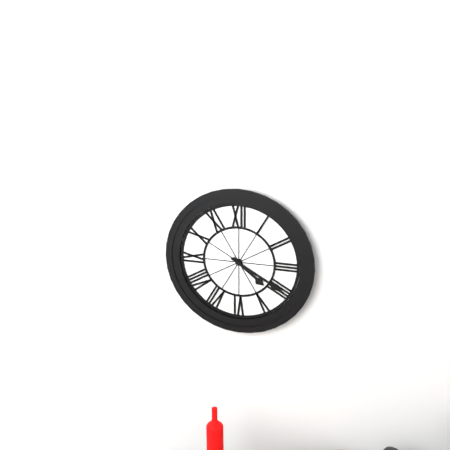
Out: h=4 m=20
